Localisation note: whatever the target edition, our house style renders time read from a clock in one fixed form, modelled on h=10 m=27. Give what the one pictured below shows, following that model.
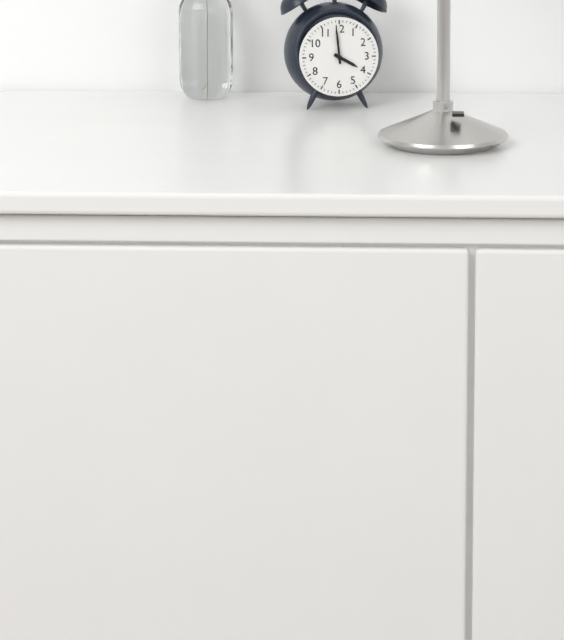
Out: h=3 m=59
